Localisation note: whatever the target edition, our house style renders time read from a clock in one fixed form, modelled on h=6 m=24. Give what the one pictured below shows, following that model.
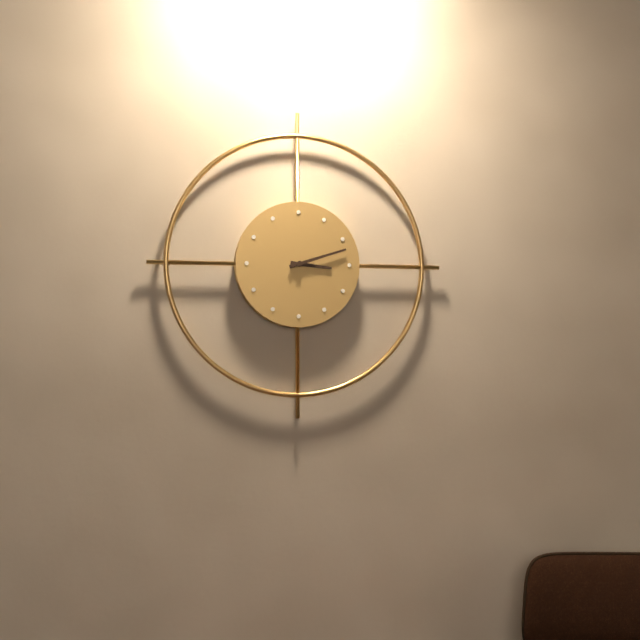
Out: h=3 m=12
